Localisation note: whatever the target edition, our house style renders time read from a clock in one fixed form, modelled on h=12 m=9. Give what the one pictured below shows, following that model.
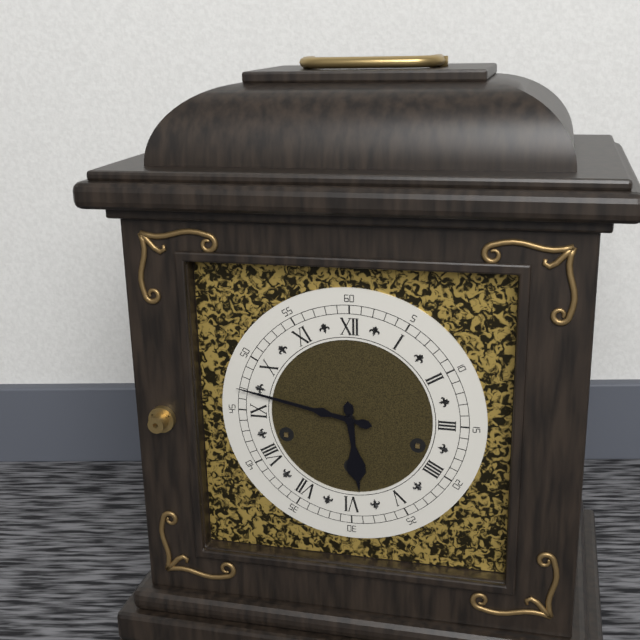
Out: h=5 m=47
